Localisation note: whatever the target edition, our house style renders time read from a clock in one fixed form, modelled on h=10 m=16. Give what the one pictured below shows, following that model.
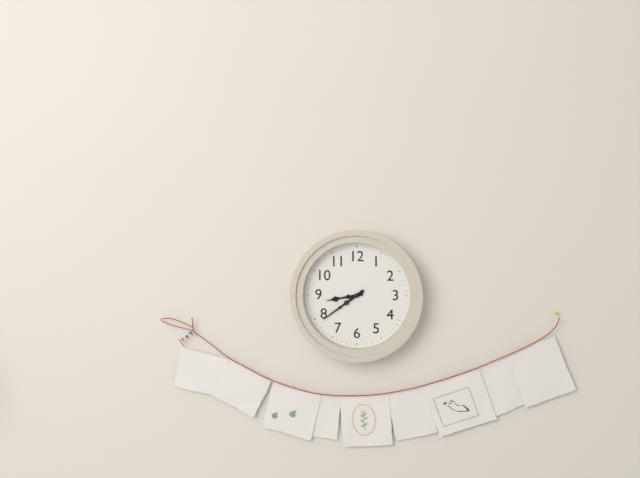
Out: h=8 m=39
